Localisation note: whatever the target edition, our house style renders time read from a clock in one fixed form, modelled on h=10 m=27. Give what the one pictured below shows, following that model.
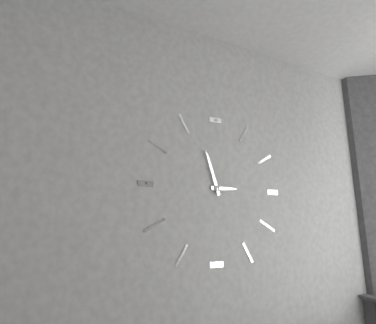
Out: h=2 m=57
